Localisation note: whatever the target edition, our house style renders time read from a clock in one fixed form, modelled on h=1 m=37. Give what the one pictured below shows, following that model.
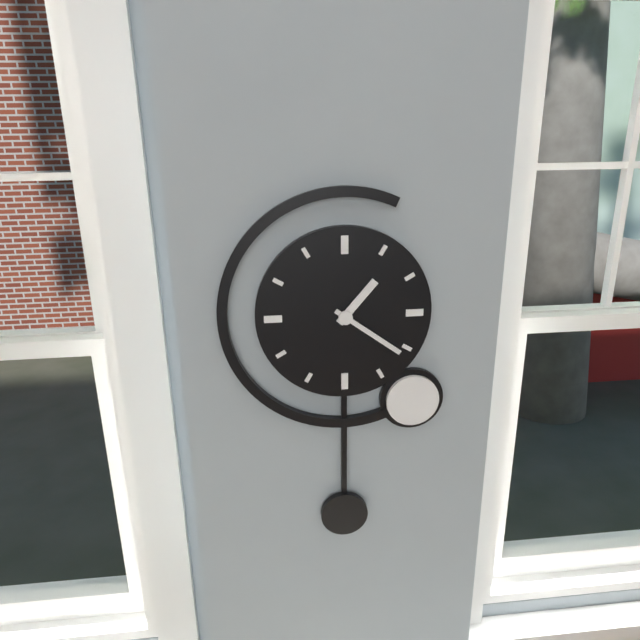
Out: h=1 m=21
